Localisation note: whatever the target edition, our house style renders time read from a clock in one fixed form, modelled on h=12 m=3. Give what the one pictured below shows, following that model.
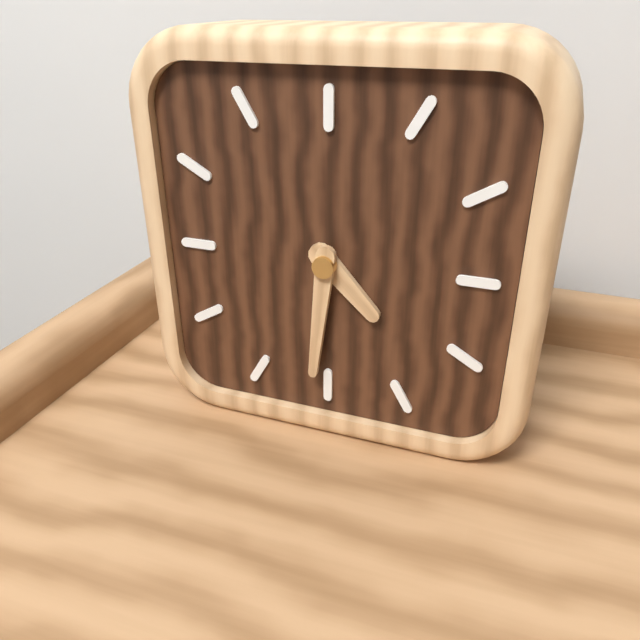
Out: h=4 m=31
